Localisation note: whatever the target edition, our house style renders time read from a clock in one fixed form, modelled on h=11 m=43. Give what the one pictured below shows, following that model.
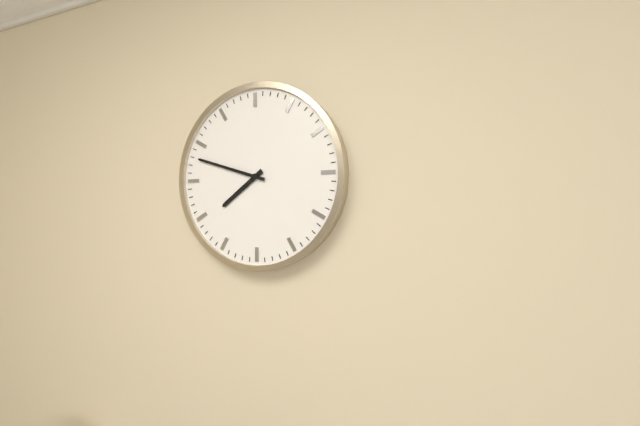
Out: h=7 m=48
